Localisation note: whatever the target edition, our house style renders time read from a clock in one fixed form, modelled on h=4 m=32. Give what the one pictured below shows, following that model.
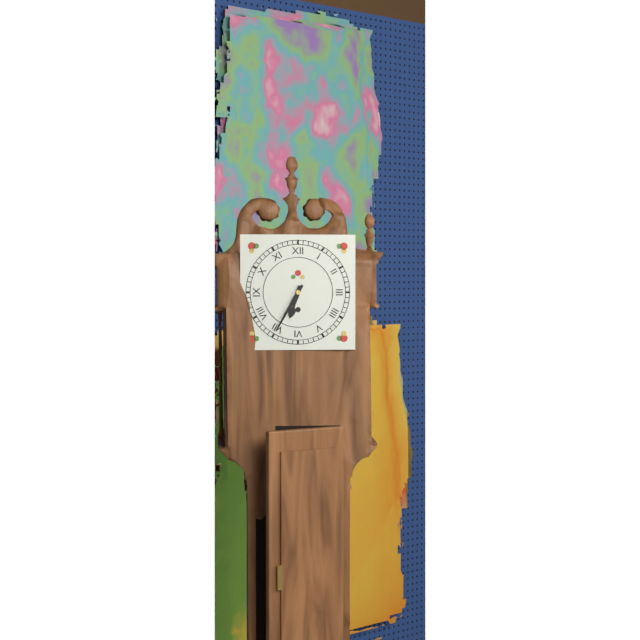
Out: h=6 m=35
